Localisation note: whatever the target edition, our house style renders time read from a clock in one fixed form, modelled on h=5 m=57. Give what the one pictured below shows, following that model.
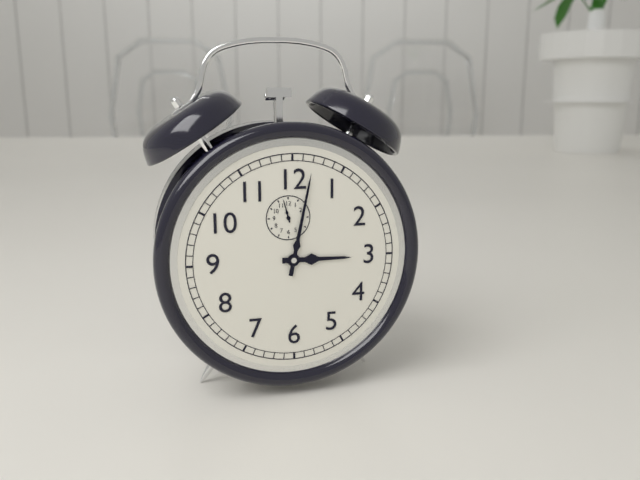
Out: h=3 m=2
